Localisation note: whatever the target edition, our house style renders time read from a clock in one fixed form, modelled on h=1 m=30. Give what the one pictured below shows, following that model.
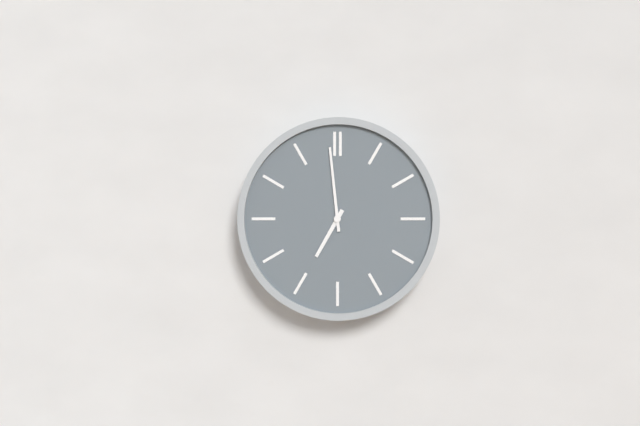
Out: h=6 m=59
